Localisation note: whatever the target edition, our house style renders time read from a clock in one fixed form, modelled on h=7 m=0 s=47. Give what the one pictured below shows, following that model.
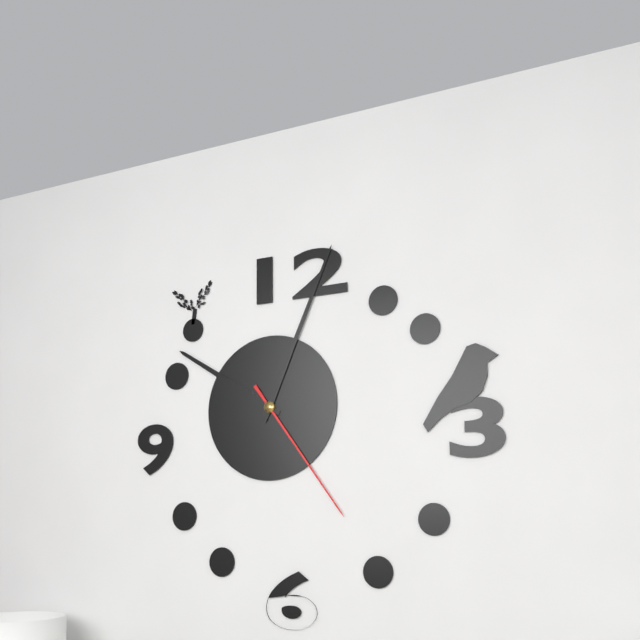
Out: h=10 m=4 s=24
